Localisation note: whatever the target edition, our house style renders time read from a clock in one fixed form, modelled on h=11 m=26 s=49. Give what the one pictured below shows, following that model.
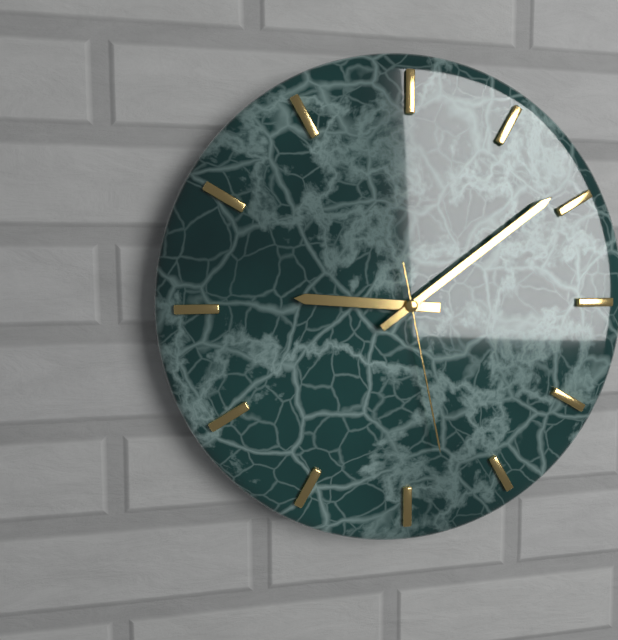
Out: h=9 m=9 s=28
